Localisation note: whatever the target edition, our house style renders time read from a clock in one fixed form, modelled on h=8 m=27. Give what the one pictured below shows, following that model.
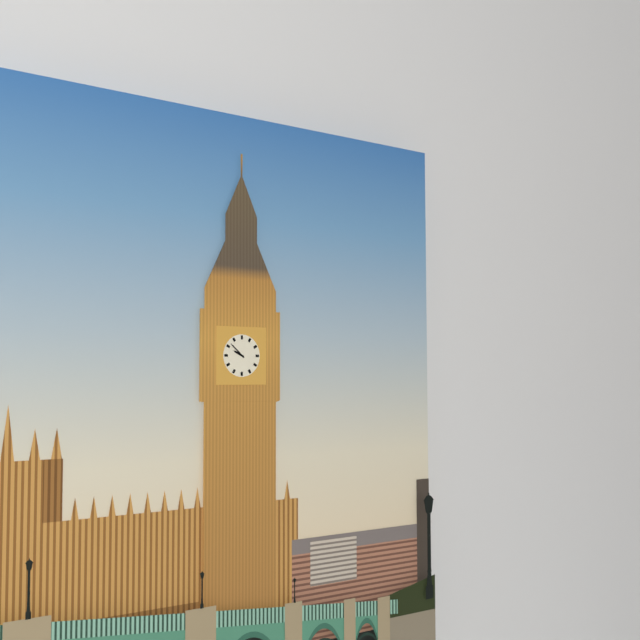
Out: h=9 m=52
